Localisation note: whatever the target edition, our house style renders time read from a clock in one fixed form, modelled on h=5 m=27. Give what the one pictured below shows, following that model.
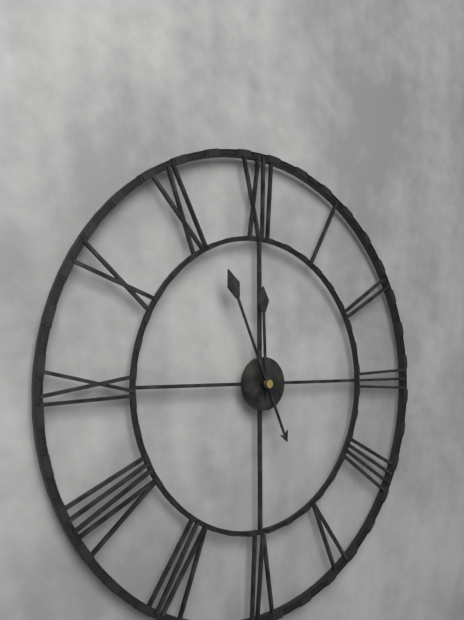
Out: h=11 m=56
